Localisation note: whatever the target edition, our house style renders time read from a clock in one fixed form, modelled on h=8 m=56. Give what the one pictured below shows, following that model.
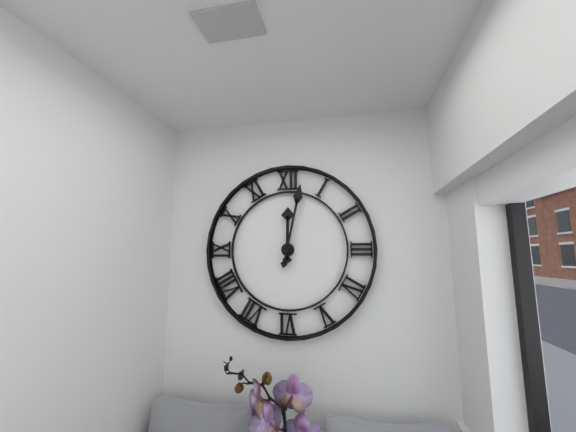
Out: h=12 m=2
